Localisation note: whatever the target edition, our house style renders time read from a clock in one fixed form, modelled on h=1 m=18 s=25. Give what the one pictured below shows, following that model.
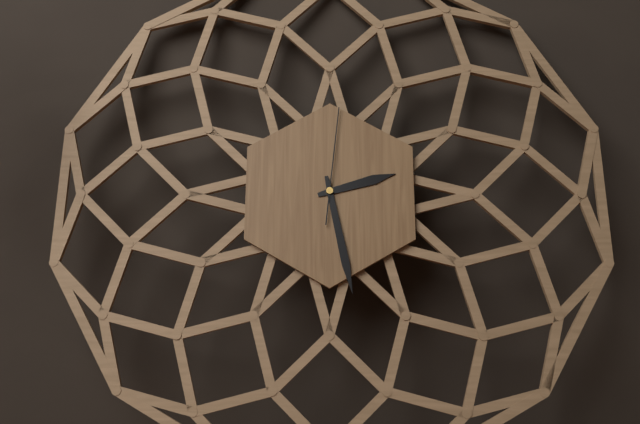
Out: h=2 m=28 s=1
